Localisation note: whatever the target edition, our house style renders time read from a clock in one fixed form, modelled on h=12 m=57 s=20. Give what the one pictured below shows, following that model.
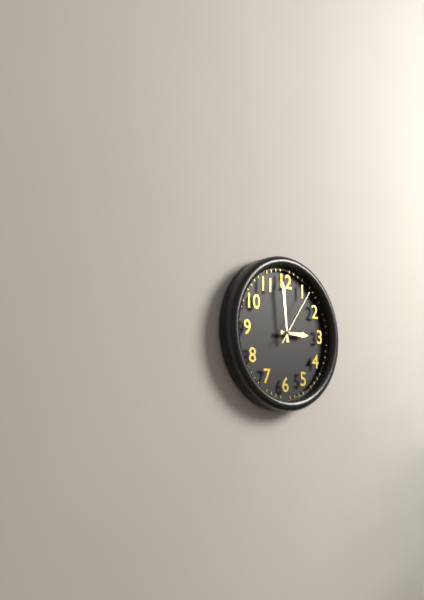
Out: h=2 m=59 s=6
